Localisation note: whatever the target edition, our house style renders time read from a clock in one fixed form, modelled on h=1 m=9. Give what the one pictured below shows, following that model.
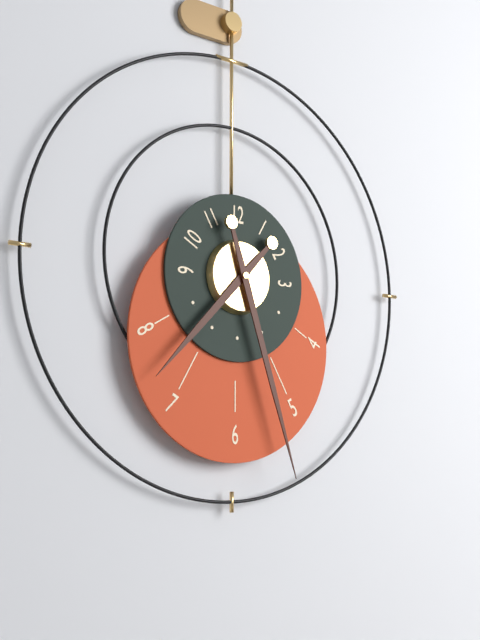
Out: h=7 m=27
